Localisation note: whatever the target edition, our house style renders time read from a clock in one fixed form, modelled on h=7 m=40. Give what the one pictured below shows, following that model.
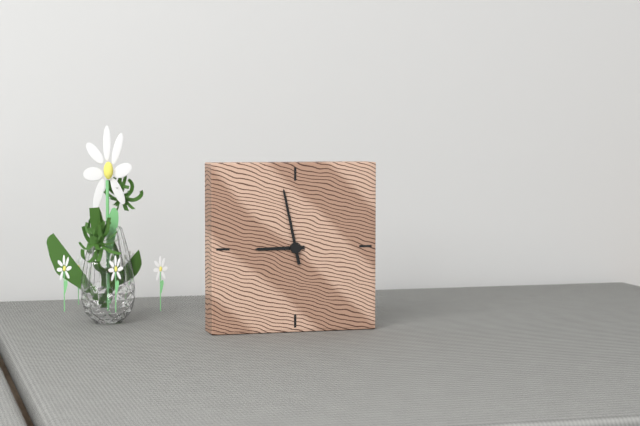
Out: h=8 m=58
